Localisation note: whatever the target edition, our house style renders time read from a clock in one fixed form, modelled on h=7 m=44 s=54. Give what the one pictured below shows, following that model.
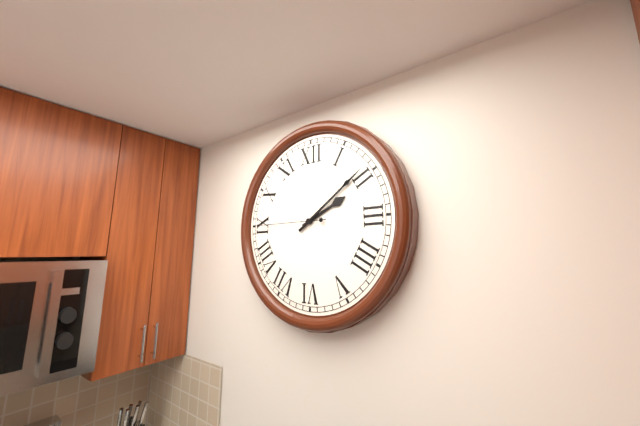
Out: h=2 m=9 s=45
